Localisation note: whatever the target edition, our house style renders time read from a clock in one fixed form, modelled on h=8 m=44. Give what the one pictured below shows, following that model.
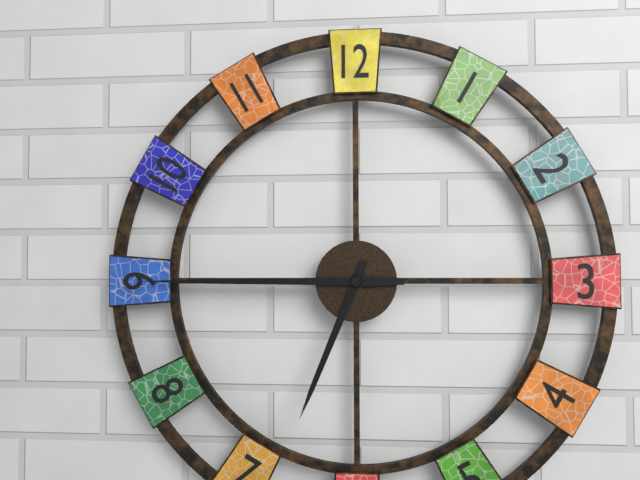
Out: h=6 m=45
